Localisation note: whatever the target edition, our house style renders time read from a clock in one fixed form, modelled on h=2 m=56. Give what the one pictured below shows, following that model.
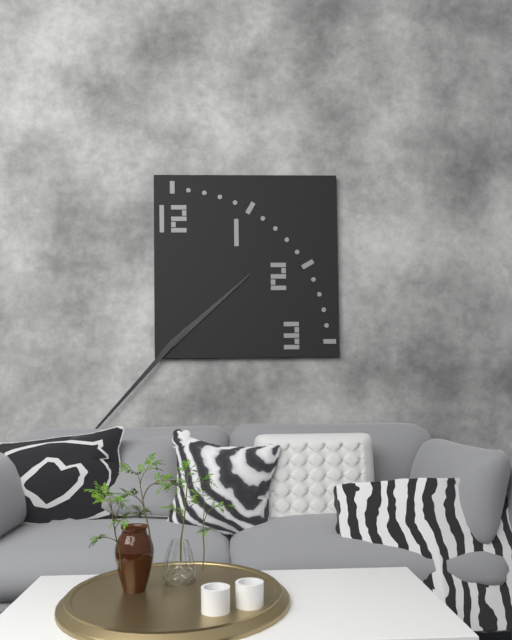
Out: h=1 m=37
